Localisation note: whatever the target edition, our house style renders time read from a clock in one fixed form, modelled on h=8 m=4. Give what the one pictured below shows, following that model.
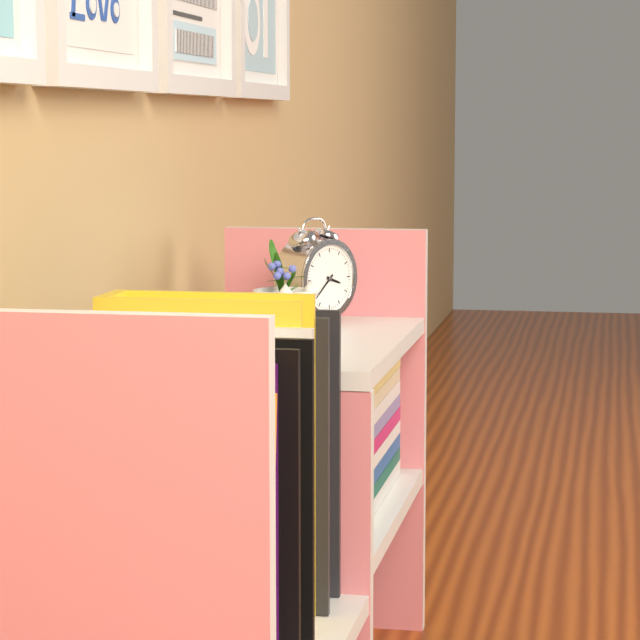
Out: h=3 m=38
